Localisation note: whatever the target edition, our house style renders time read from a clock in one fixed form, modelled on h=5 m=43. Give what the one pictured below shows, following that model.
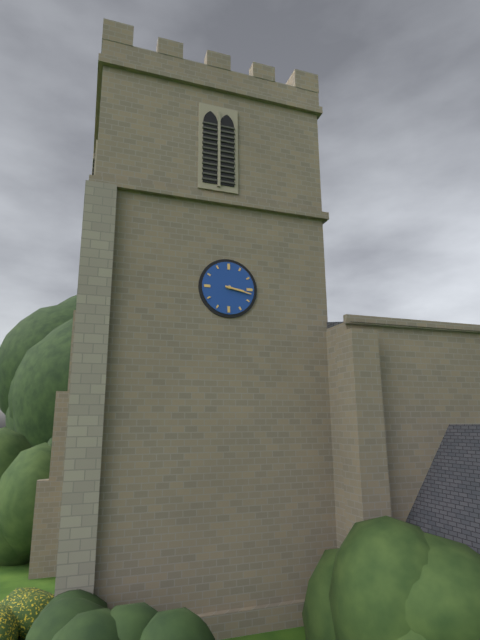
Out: h=3 m=17
